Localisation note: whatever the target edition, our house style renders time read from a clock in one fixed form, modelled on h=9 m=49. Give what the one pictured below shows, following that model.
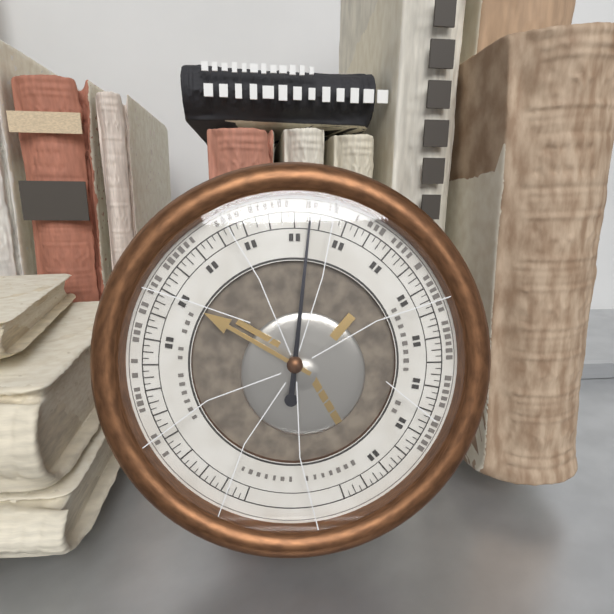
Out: h=10 m=1
